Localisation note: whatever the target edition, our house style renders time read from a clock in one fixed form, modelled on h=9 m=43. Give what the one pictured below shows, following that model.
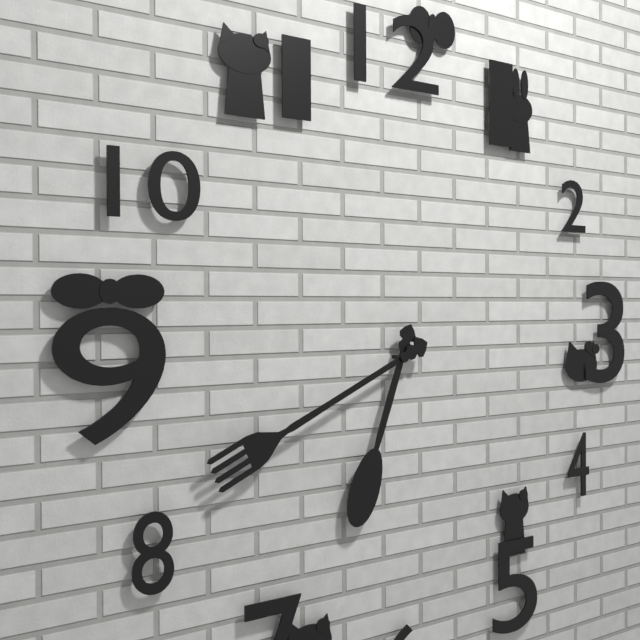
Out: h=6 m=41
